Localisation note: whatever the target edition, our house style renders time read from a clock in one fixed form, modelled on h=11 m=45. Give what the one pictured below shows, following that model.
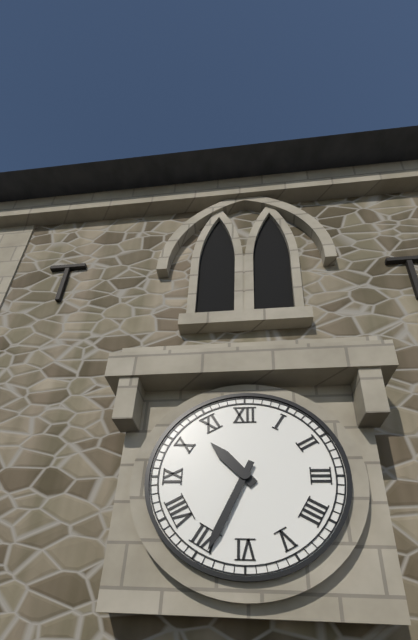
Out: h=10 m=34
